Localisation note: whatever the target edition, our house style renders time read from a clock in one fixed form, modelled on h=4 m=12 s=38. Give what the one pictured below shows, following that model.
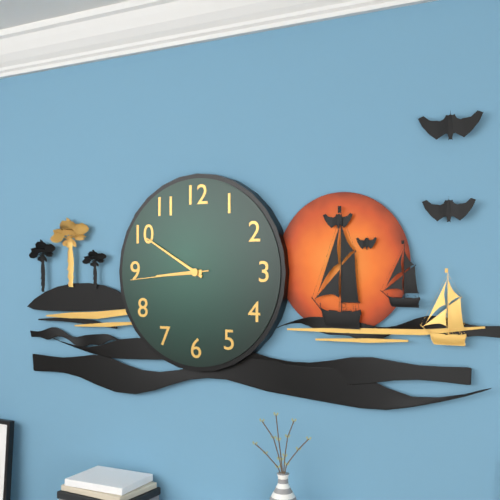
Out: h=8 m=50 s=44
